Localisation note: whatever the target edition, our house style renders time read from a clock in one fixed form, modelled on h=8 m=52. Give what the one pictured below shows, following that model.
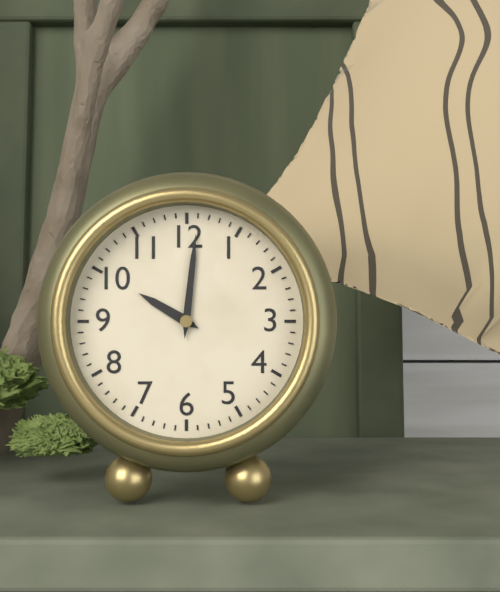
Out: h=10 m=1
